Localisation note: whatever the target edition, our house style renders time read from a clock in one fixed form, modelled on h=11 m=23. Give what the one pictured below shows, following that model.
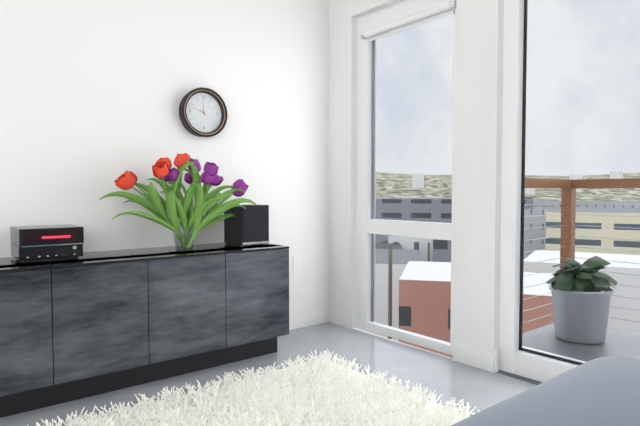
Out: h=11 m=48
